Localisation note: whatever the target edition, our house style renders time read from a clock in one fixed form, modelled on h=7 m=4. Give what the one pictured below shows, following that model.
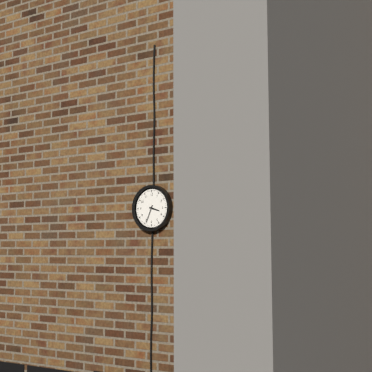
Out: h=3 m=34
